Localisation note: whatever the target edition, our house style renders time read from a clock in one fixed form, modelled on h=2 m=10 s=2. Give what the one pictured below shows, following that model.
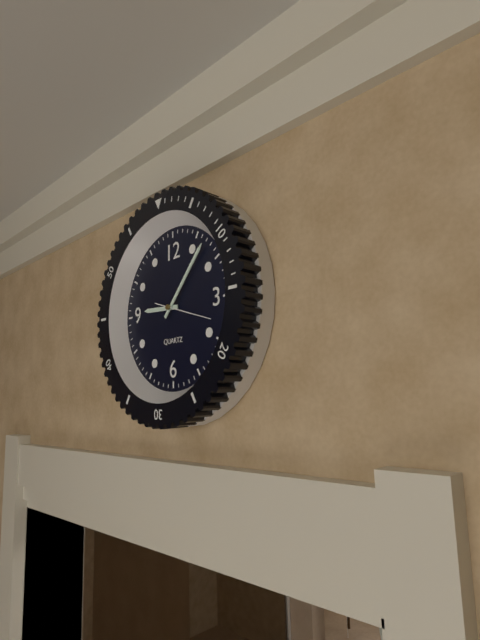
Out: h=9 m=7 s=18
